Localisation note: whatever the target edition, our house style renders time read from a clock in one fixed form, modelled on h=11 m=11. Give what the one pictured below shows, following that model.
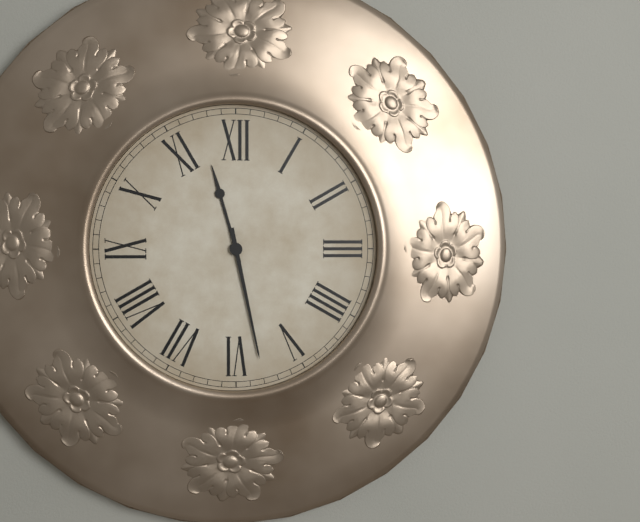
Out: h=11 m=28
